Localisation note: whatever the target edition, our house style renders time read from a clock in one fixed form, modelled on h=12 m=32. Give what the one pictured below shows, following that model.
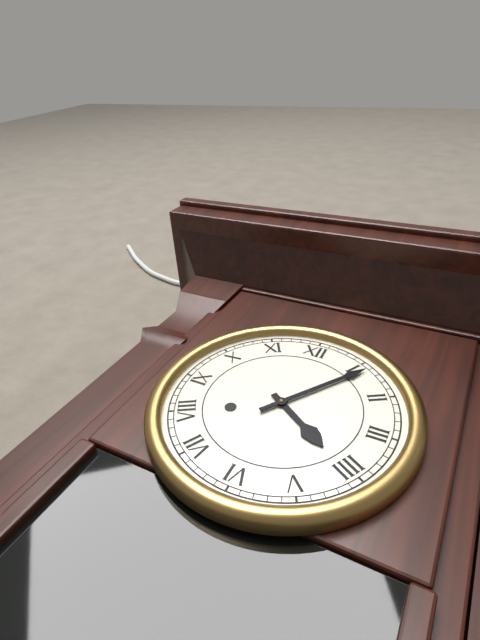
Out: h=4 m=6
